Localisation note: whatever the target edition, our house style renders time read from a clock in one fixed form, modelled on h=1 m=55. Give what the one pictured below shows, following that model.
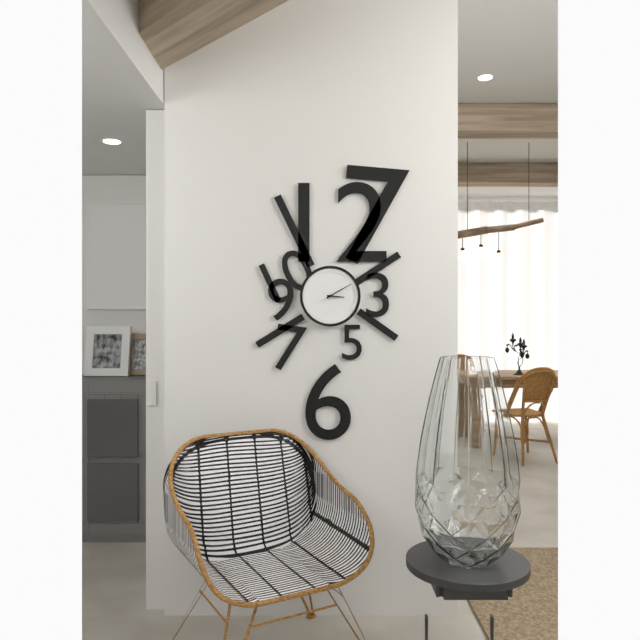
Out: h=3 m=10
